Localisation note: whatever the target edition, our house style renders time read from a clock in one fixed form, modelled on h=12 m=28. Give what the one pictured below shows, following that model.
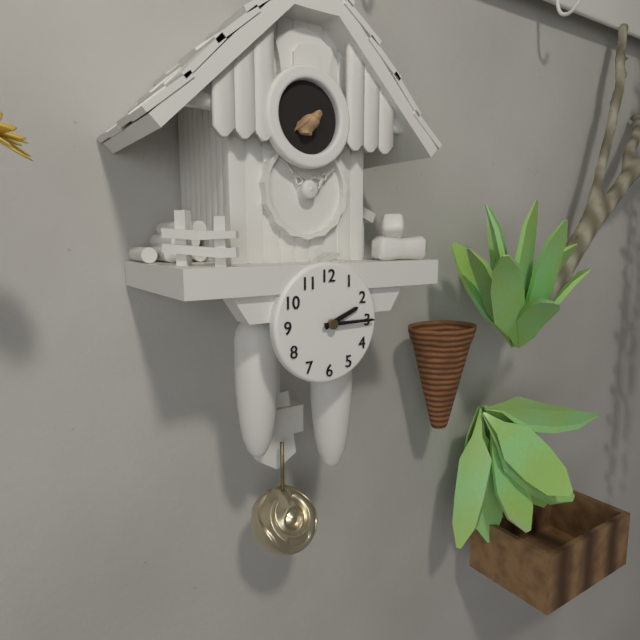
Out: h=2 m=15
